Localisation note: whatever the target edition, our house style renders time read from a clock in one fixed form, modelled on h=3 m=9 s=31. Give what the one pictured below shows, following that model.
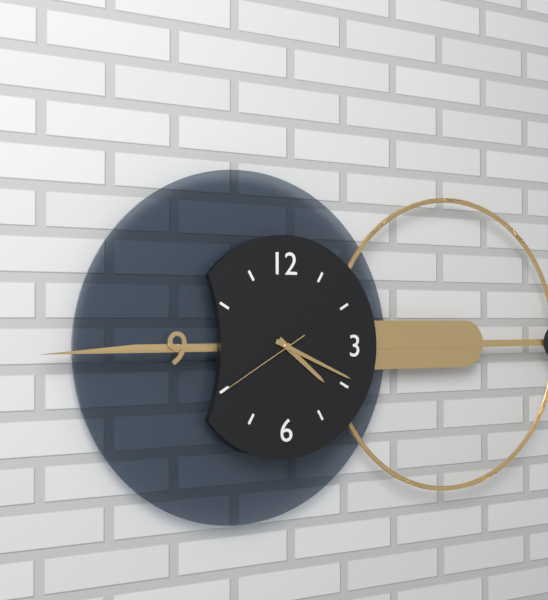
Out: h=4 m=19 s=40
